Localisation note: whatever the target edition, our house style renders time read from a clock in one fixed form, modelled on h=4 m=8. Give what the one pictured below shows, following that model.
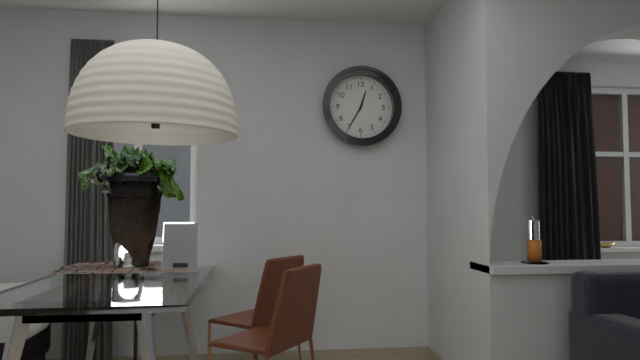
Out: h=12 m=35
